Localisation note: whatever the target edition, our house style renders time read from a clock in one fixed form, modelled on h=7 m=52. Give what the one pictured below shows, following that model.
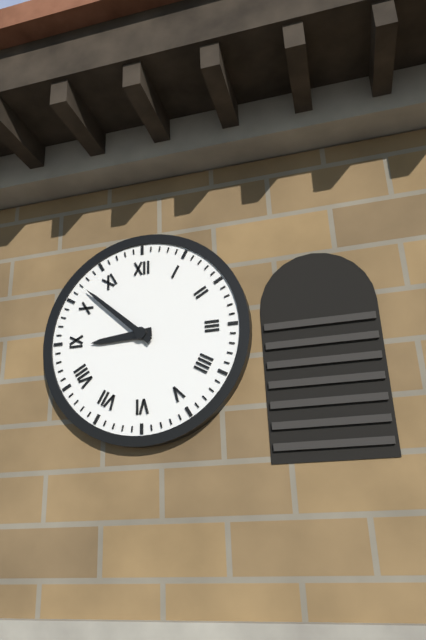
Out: h=8 m=52
